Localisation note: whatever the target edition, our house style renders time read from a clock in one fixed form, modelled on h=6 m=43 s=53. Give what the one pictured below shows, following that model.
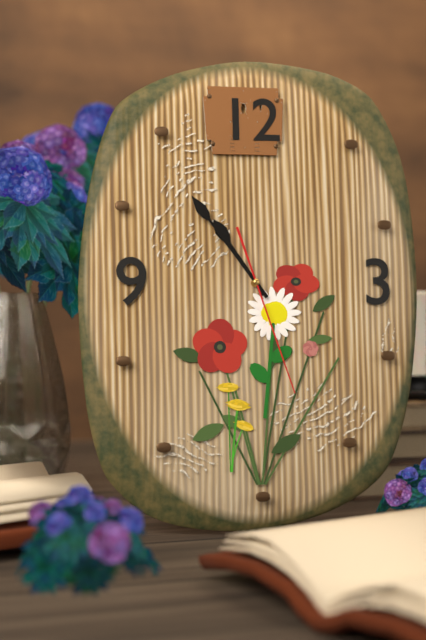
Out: h=10 m=54 s=27
